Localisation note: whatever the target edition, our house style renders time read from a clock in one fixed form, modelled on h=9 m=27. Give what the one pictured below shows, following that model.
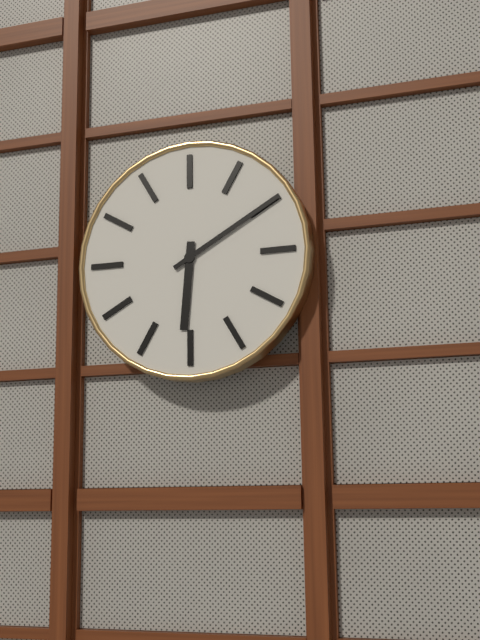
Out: h=6 m=10
